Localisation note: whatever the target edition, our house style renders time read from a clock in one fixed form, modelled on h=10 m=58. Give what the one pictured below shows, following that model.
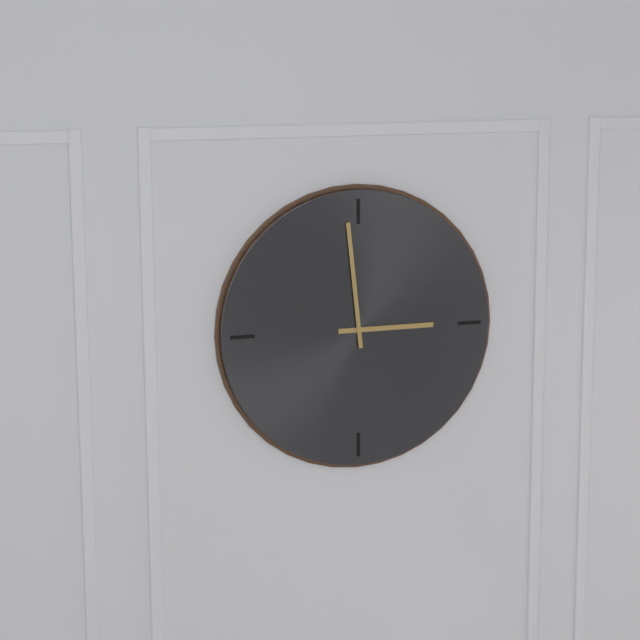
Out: h=2 m=59
